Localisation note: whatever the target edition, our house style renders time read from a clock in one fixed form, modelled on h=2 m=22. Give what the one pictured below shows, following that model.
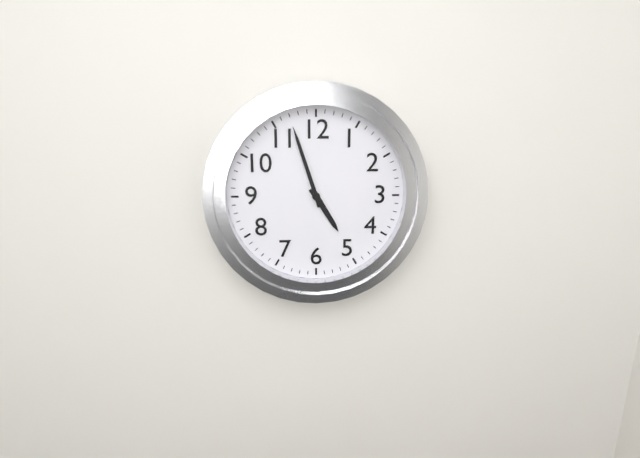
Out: h=4 m=57
